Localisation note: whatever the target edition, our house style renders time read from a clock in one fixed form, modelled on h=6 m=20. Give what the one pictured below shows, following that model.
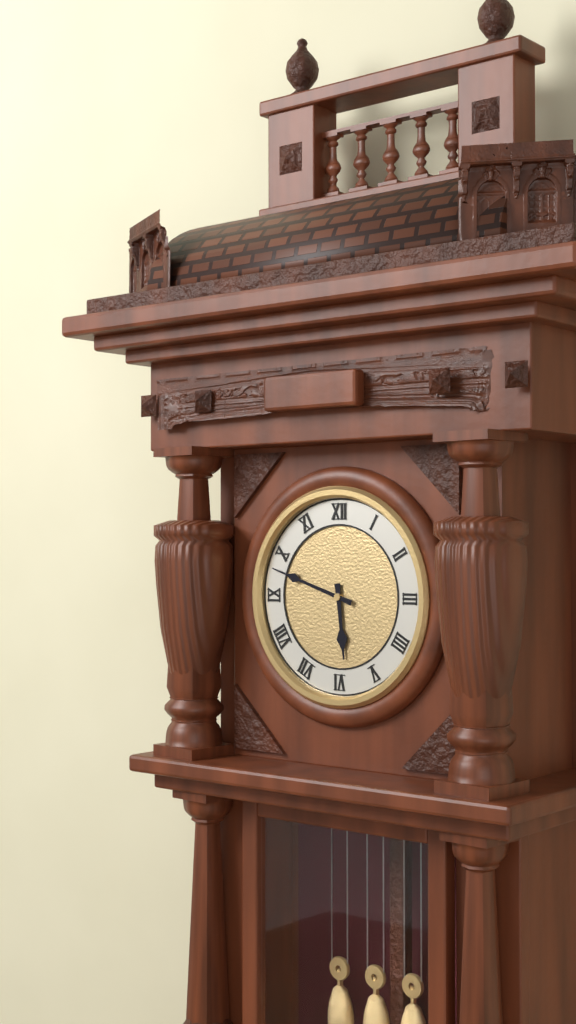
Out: h=5 m=48
